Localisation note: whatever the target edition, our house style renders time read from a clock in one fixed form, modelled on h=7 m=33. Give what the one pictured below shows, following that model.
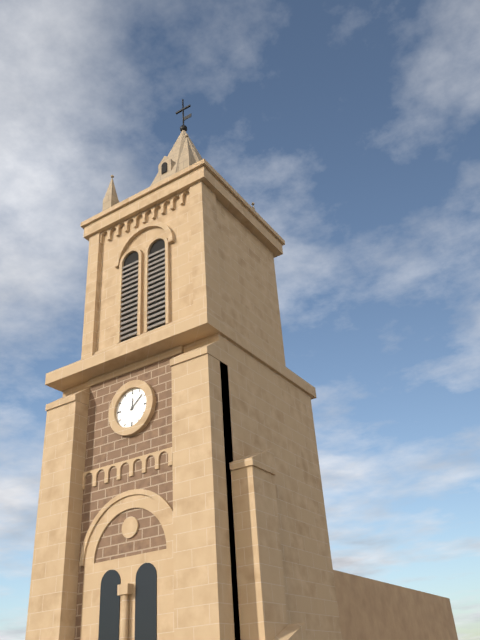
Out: h=12 m=8
